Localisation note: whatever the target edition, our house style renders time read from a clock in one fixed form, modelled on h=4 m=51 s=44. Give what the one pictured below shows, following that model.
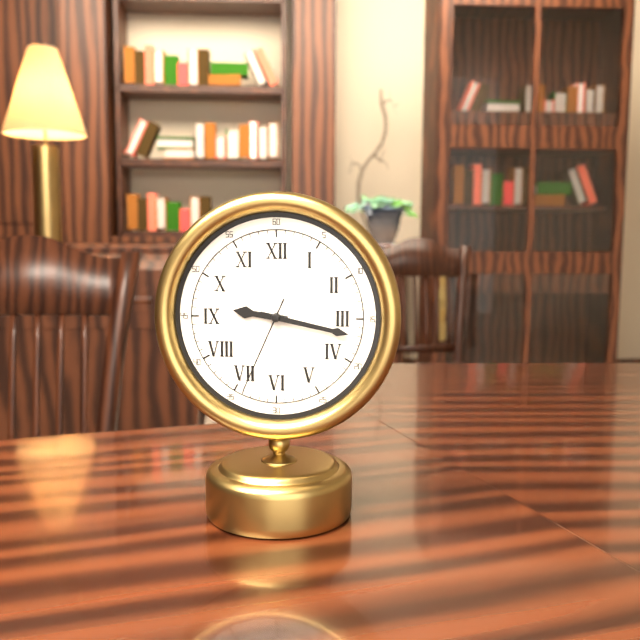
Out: h=9 m=17 s=34
